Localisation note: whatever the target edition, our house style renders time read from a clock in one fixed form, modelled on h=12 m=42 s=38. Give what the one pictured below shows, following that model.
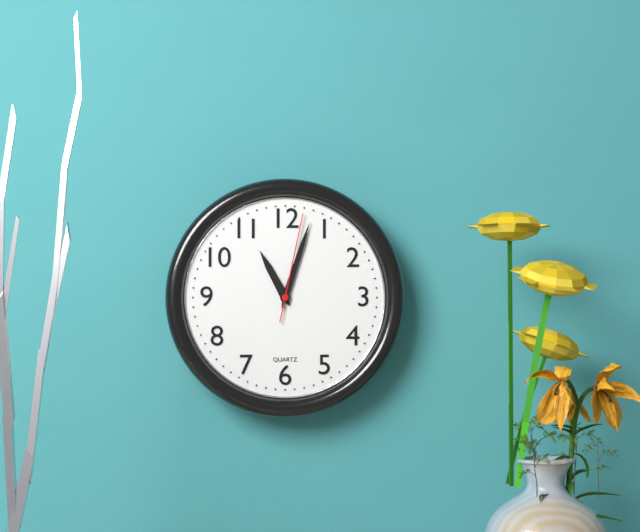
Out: h=11 m=3 s=2
